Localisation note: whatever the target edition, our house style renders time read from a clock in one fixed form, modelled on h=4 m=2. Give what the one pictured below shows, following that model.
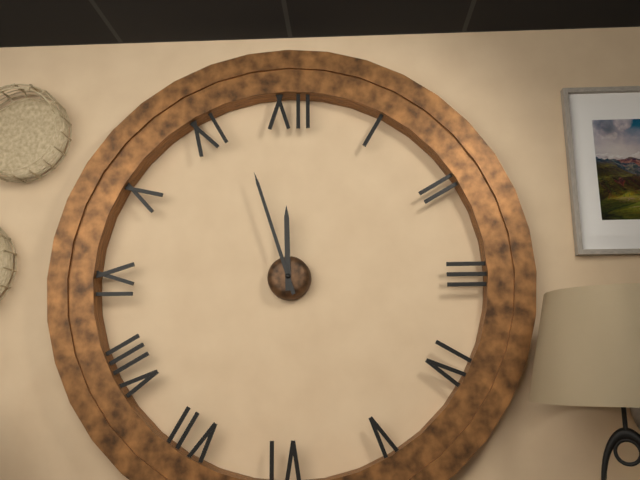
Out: h=11 m=57
